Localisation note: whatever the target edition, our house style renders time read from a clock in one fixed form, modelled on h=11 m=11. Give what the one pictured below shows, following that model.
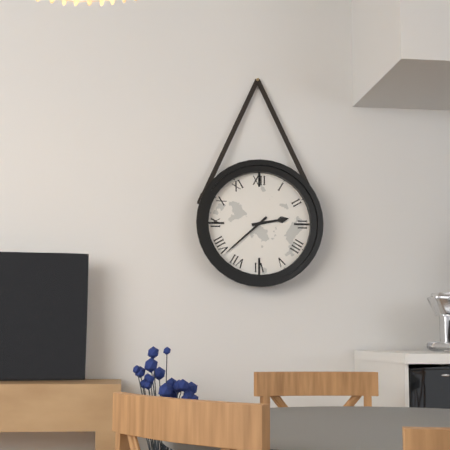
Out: h=2 m=38
